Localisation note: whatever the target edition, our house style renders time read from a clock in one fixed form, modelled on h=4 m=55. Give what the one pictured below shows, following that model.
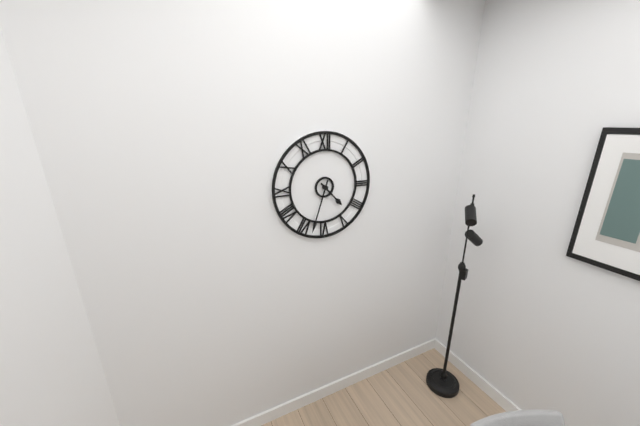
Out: h=4 m=33
